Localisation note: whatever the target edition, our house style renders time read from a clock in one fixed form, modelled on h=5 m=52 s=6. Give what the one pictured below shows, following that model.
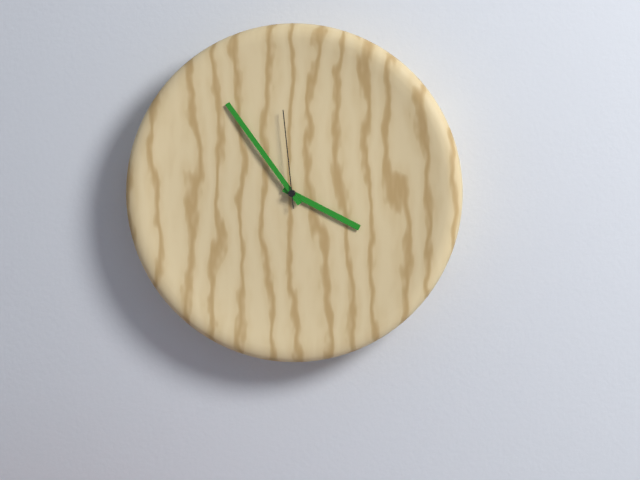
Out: h=3 m=54 s=59
